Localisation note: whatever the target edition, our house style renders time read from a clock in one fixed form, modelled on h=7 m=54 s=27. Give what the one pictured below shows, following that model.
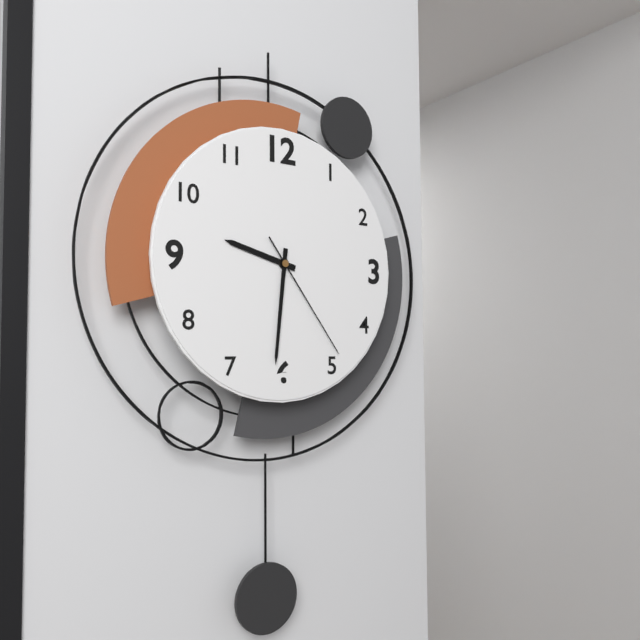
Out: h=9 m=31 s=24
